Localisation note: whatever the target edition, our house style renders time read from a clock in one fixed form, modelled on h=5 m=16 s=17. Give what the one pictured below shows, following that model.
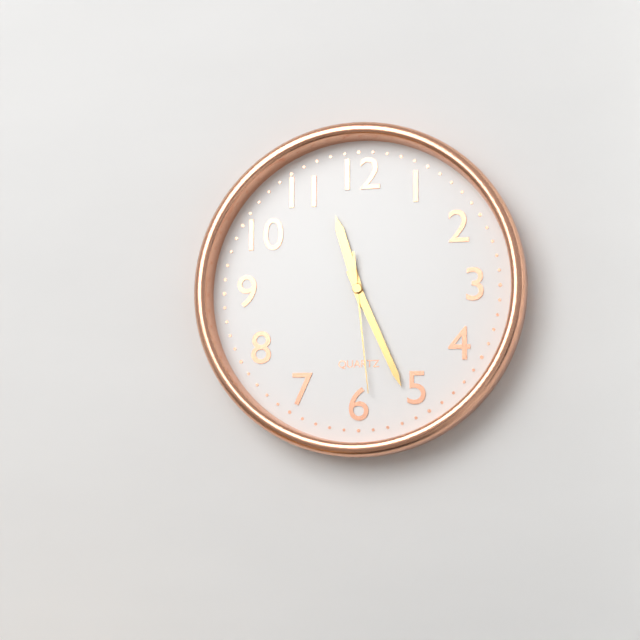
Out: h=11 m=26 s=29
